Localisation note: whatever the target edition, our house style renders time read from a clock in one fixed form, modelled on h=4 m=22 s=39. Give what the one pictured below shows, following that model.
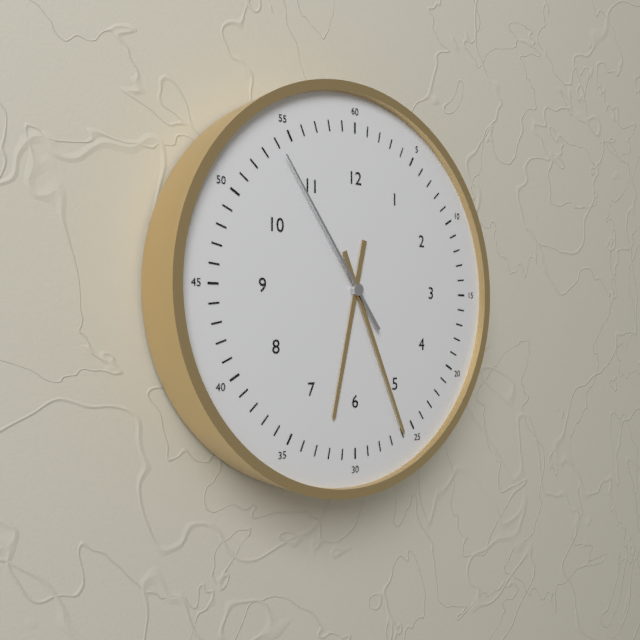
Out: h=6 m=26 s=54
